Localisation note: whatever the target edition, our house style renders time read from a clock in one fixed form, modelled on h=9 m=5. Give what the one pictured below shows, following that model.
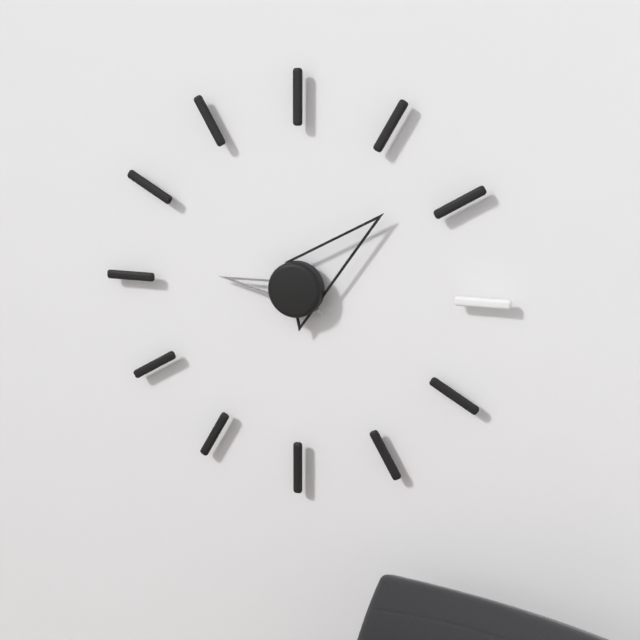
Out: h=9 m=8
